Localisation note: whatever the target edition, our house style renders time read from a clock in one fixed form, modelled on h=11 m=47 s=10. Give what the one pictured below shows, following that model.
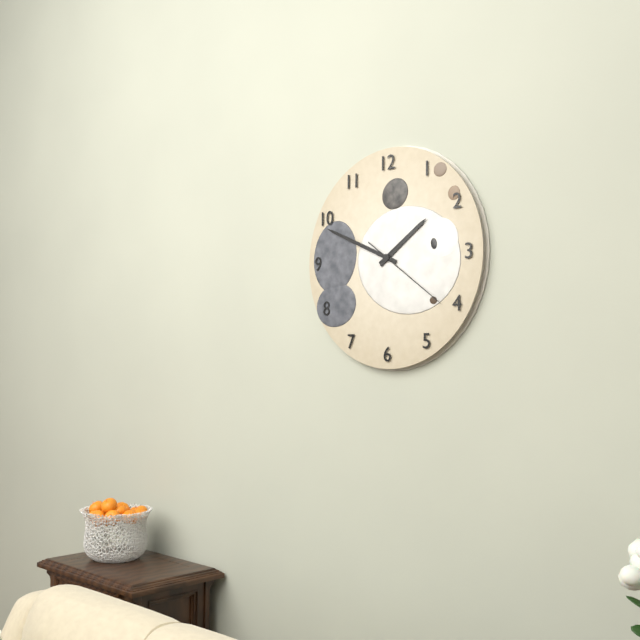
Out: h=1 m=49 s=21
